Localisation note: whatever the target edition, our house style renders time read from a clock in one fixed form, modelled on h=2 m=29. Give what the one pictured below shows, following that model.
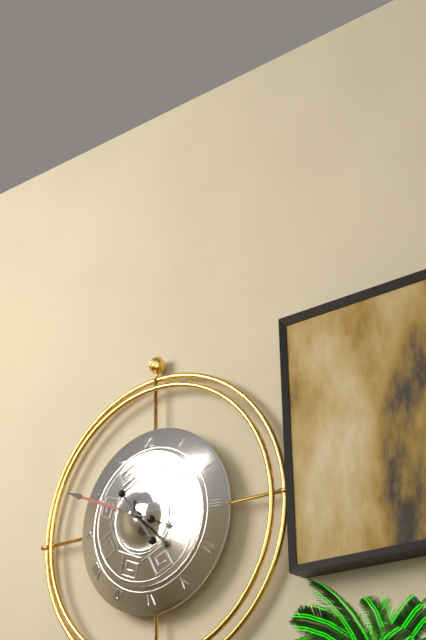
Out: h=4 m=49
